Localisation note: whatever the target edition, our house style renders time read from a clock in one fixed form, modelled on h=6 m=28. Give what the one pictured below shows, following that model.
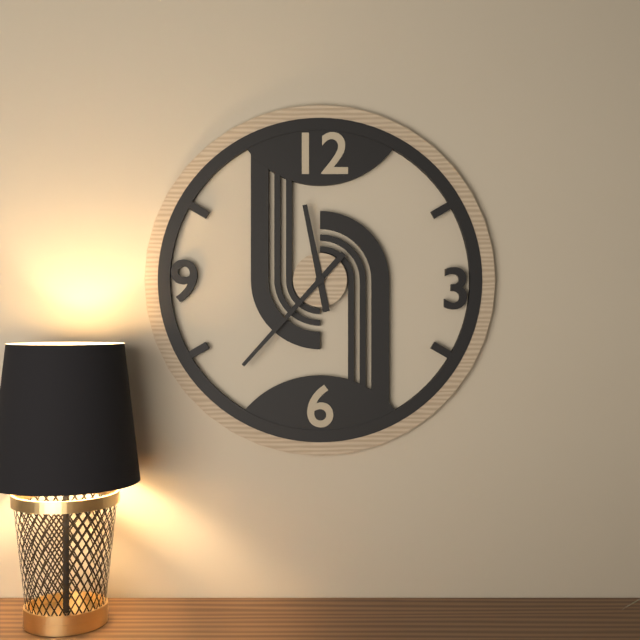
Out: h=11 m=37
